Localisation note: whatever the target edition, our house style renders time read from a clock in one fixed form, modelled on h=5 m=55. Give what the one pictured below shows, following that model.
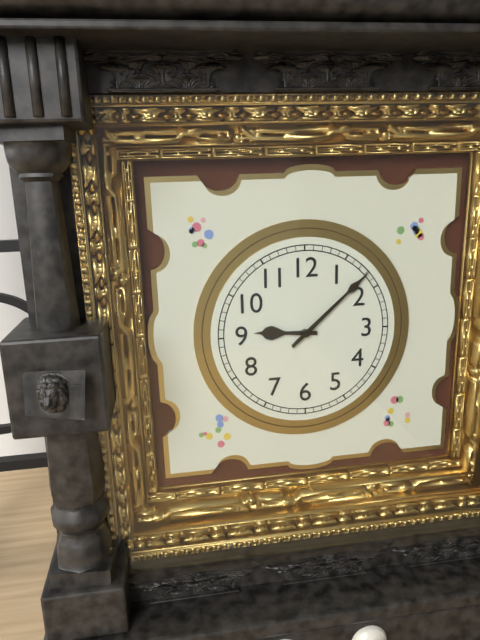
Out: h=9 m=8
